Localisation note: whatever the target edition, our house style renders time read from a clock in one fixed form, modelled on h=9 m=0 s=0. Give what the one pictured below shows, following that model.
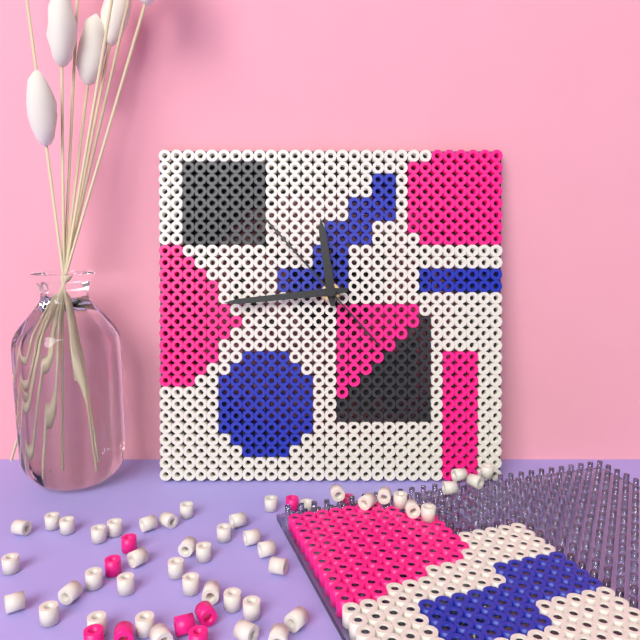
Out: h=11 m=44 s=53
